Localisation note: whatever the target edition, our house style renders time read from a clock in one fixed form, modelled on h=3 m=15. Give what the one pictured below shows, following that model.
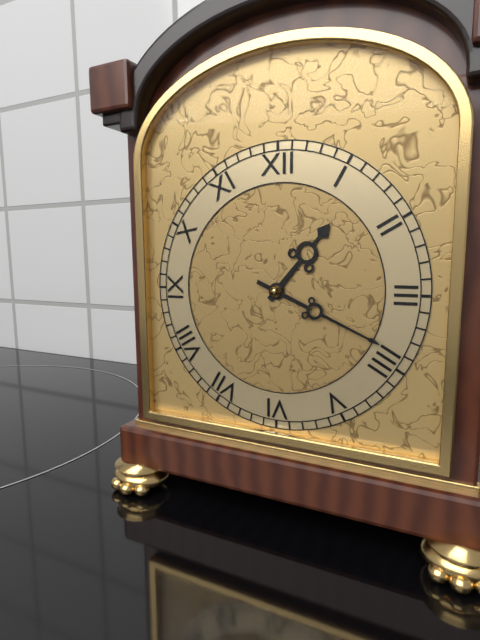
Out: h=1 m=19
